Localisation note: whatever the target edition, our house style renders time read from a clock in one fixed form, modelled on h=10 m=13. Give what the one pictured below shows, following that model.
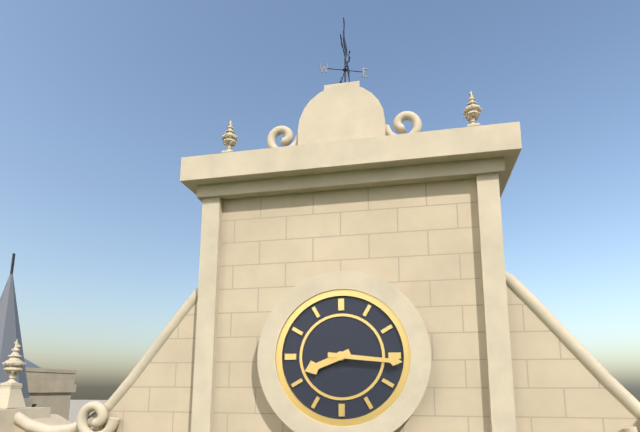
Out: h=8 m=16
